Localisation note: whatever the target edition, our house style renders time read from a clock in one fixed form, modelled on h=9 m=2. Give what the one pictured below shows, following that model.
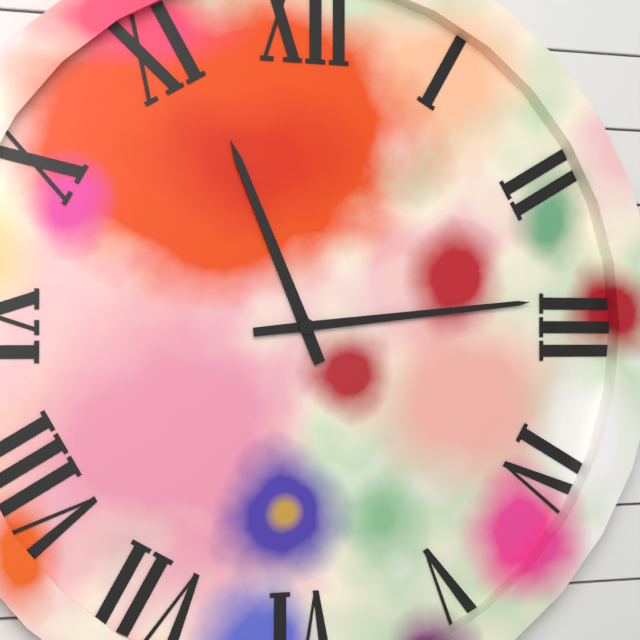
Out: h=11 m=14
